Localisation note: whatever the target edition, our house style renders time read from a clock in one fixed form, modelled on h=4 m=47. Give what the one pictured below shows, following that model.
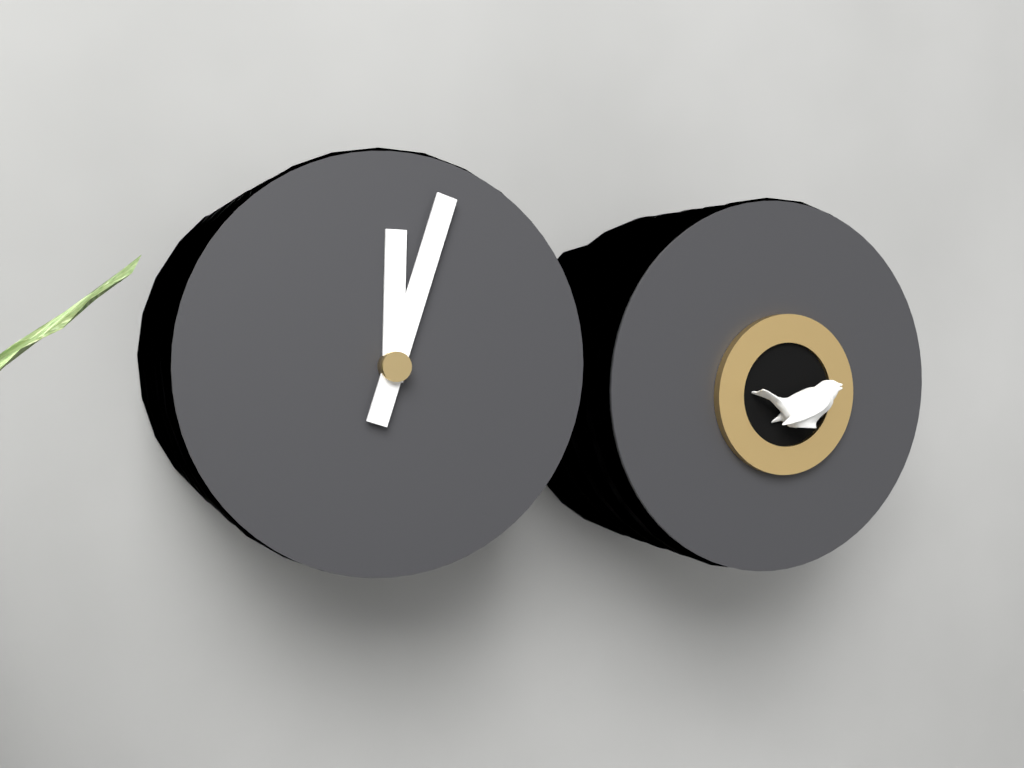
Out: h=12 m=3
